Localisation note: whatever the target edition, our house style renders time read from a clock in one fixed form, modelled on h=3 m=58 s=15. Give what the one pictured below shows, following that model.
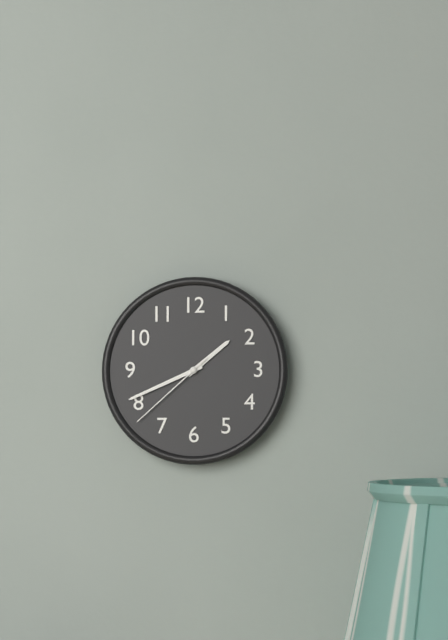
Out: h=1 m=41 s=38
